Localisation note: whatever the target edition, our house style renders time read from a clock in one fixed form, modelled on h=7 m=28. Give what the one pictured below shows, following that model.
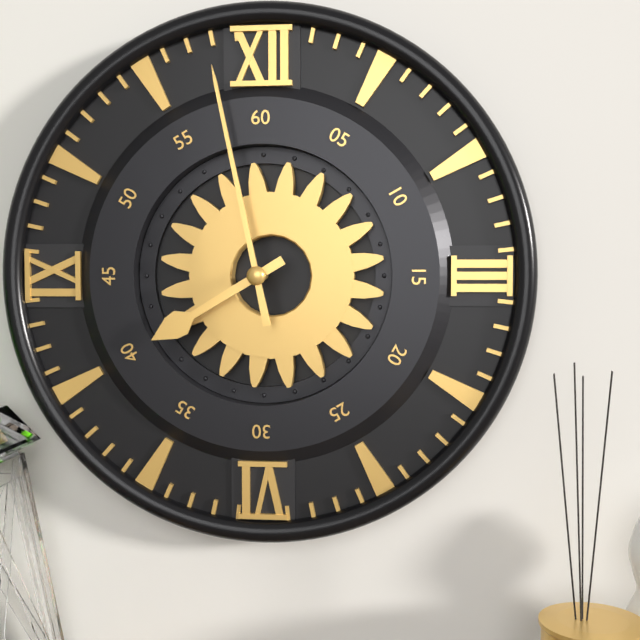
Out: h=7 m=58
